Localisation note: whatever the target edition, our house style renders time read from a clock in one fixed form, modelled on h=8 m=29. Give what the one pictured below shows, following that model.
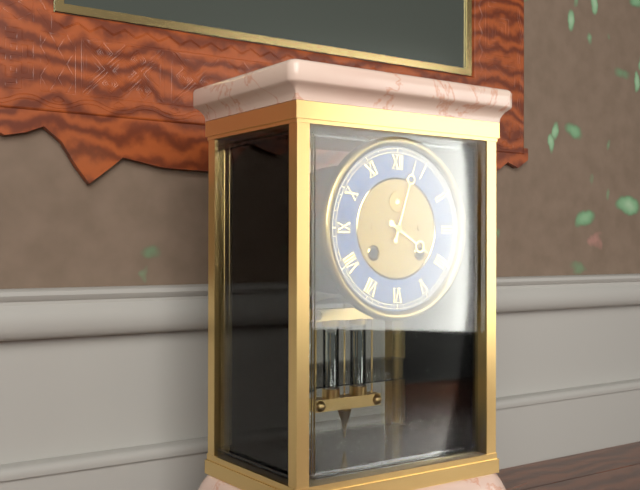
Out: h=4 m=3
